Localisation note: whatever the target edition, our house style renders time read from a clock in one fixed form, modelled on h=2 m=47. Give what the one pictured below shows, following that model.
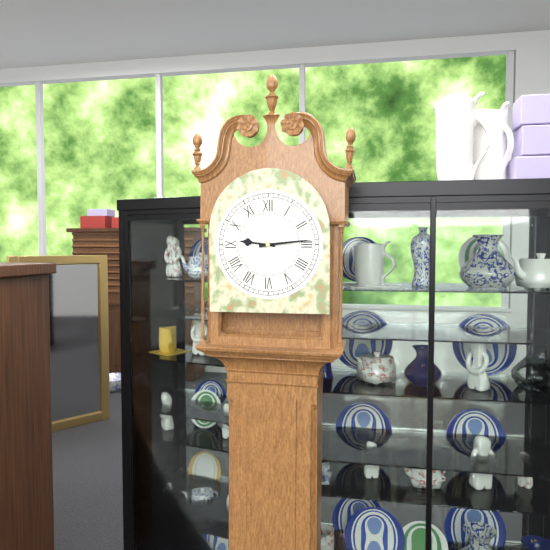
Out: h=9 m=14
